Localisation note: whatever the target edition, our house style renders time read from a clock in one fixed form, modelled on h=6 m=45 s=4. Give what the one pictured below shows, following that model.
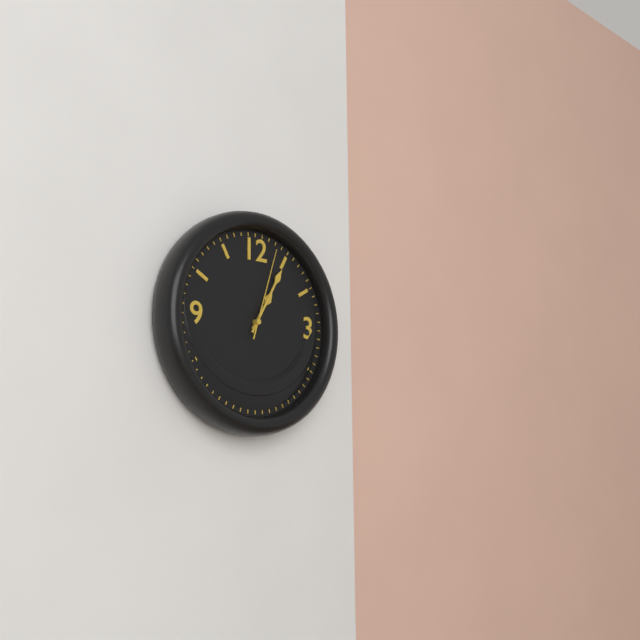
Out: h=1 m=5 s=3
